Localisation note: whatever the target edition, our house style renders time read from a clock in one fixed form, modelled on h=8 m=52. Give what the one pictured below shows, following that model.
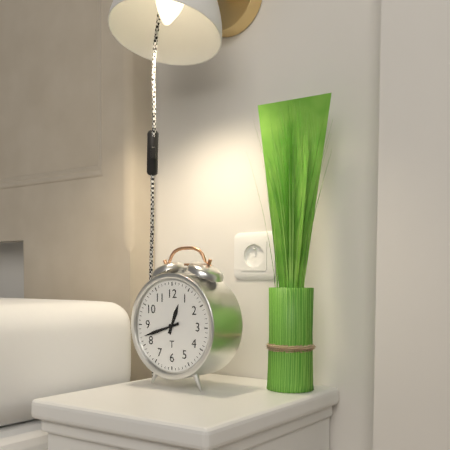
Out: h=12 m=42
